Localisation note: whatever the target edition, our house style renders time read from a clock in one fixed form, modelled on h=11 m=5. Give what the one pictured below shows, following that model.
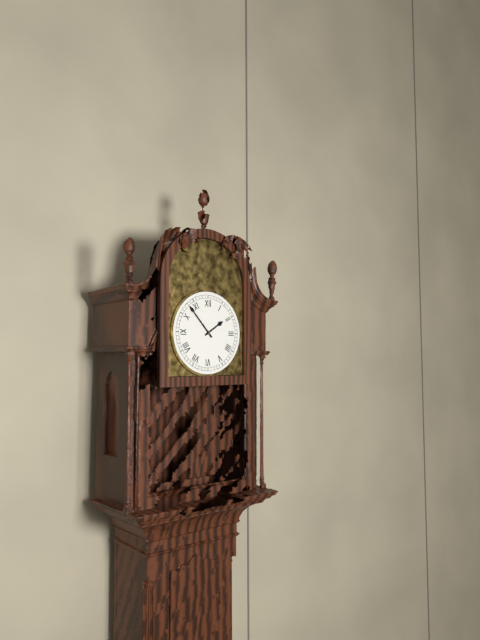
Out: h=1 m=53
